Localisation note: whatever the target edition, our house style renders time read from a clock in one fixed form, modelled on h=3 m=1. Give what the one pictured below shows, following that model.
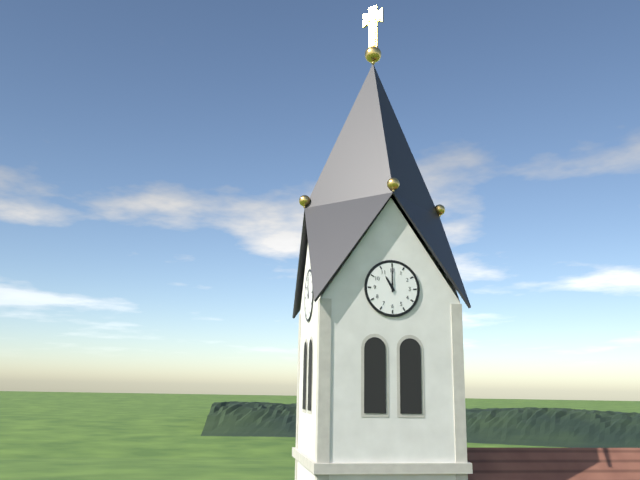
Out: h=11 m=0
